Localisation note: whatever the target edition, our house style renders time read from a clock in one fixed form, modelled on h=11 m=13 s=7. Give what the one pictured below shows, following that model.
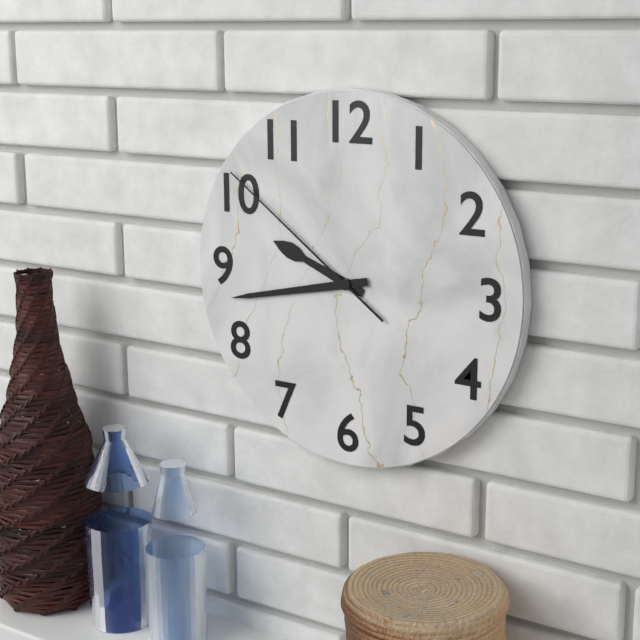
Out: h=9 m=43 s=51
